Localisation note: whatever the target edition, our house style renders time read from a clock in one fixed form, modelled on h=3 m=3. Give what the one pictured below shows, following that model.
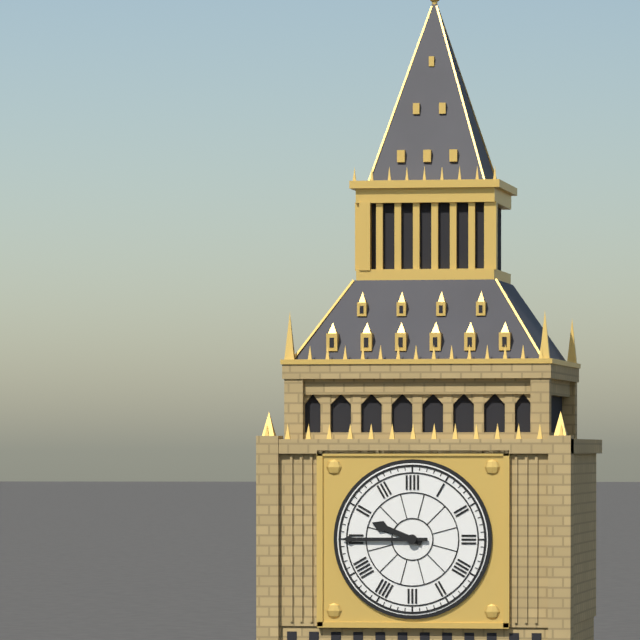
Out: h=9 m=45
